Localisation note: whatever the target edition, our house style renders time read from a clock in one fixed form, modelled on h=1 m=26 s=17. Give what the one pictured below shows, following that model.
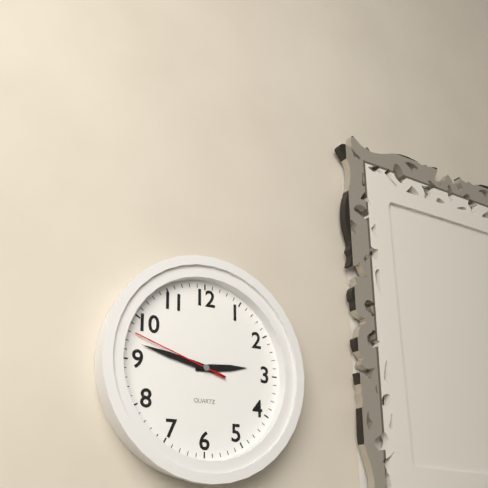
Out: h=2 m=47 s=48
